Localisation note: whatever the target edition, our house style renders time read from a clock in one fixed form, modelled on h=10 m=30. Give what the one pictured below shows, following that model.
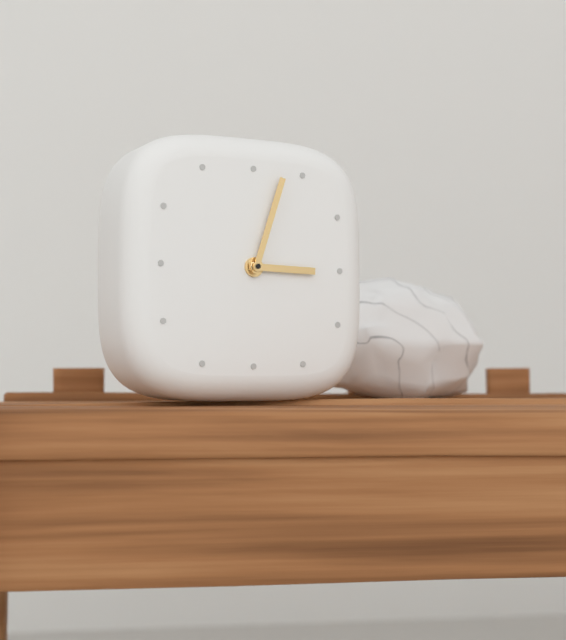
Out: h=3 m=3
